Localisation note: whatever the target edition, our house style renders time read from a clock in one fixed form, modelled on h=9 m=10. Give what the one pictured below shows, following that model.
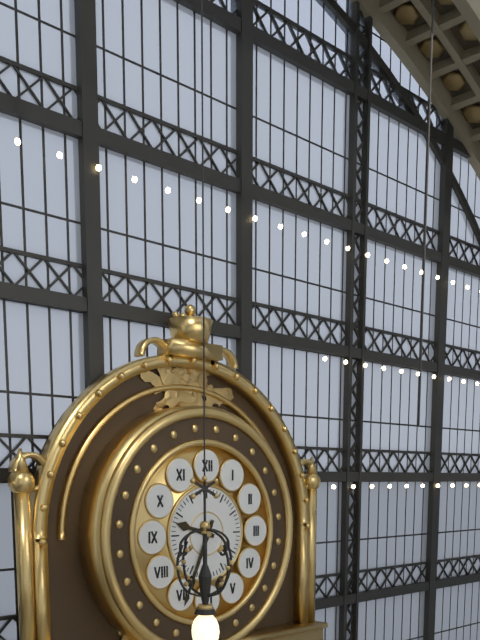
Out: h=9 m=34
